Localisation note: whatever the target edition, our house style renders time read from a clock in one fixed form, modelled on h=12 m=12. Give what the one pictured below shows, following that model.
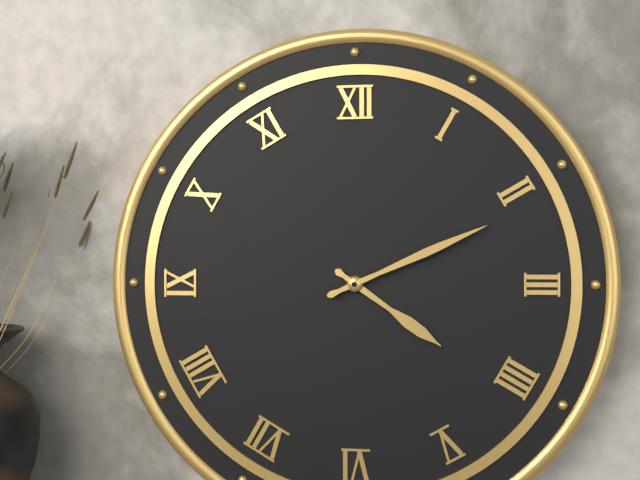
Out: h=4 m=11
